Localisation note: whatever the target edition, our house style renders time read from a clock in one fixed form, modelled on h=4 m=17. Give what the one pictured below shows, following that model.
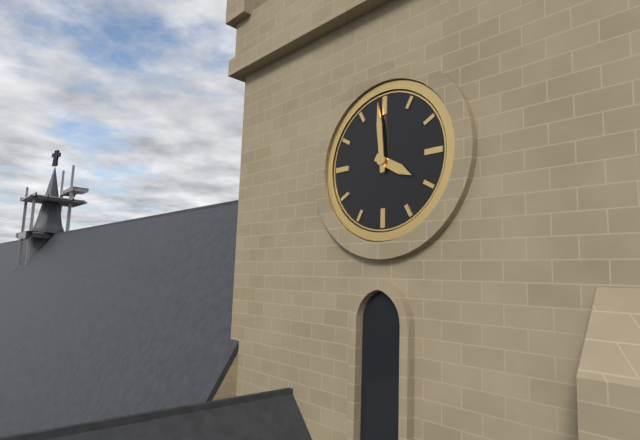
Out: h=3 m=59
